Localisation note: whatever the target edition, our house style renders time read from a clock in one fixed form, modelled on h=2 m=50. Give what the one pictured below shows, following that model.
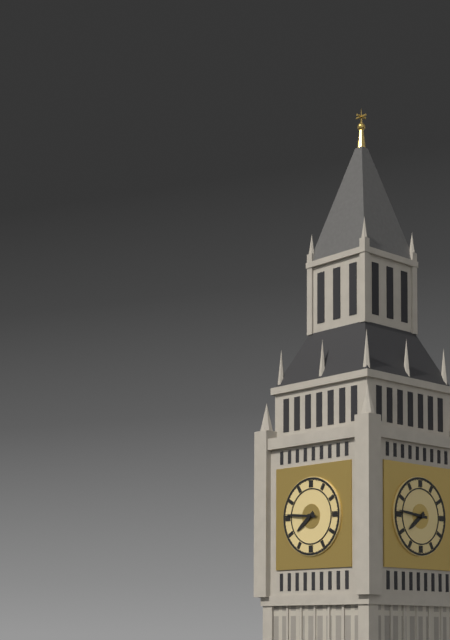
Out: h=7 m=46
